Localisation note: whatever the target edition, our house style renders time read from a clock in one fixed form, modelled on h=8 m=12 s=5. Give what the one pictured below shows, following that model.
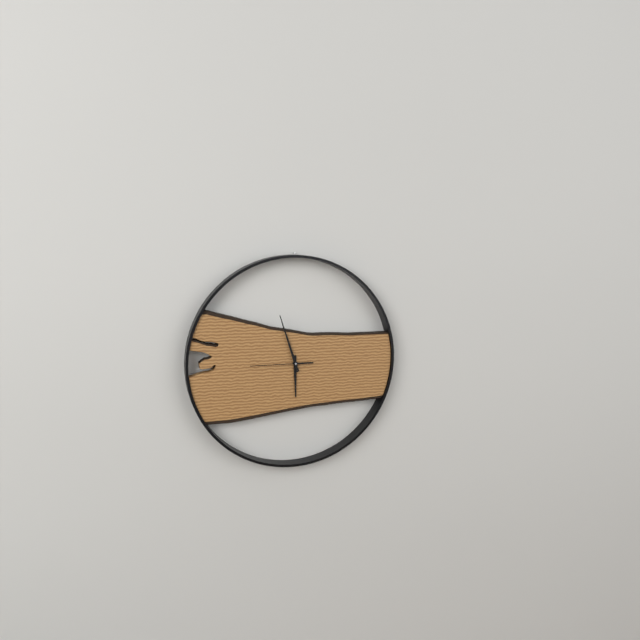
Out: h=5 m=57 s=45
